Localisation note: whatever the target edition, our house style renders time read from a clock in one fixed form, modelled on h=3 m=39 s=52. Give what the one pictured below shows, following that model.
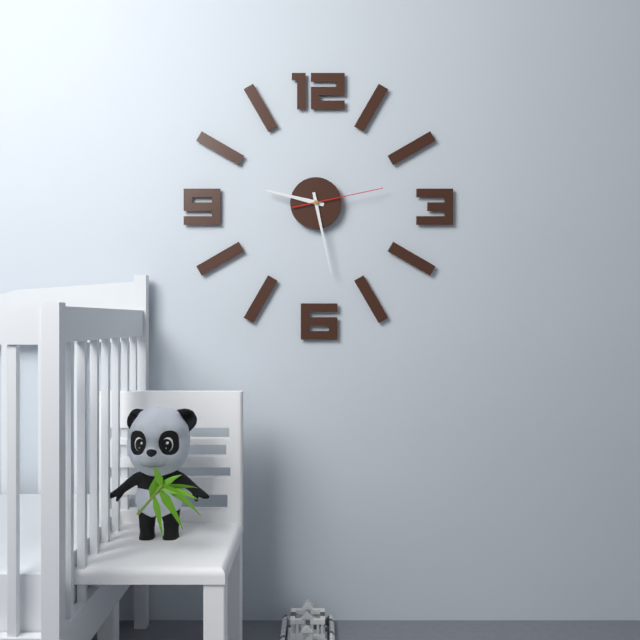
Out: h=9 m=28 s=13
